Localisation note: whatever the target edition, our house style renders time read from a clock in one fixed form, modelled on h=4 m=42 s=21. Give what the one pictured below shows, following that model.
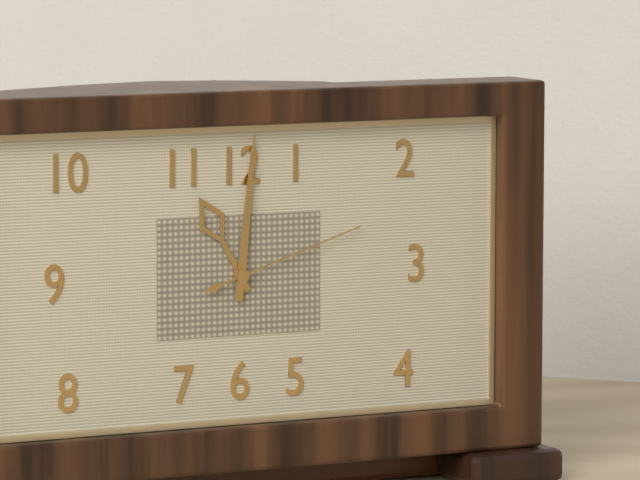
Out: h=11 m=1 s=12
